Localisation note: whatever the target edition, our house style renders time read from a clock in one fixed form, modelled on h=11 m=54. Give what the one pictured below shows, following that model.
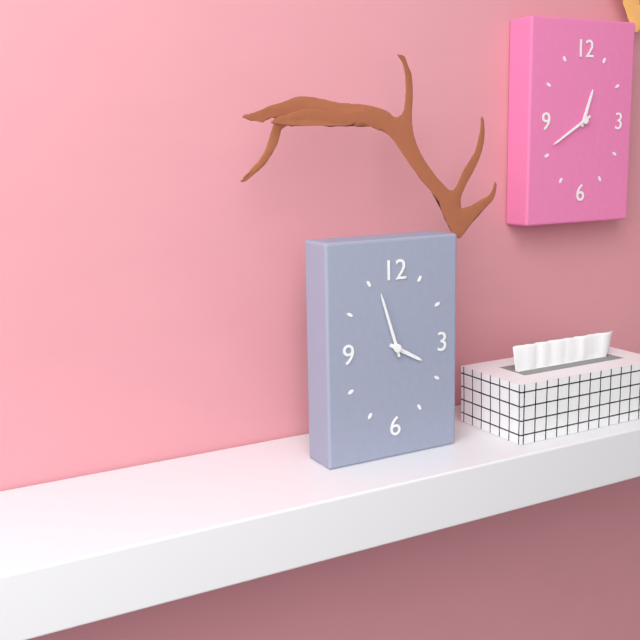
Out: h=3 m=57
